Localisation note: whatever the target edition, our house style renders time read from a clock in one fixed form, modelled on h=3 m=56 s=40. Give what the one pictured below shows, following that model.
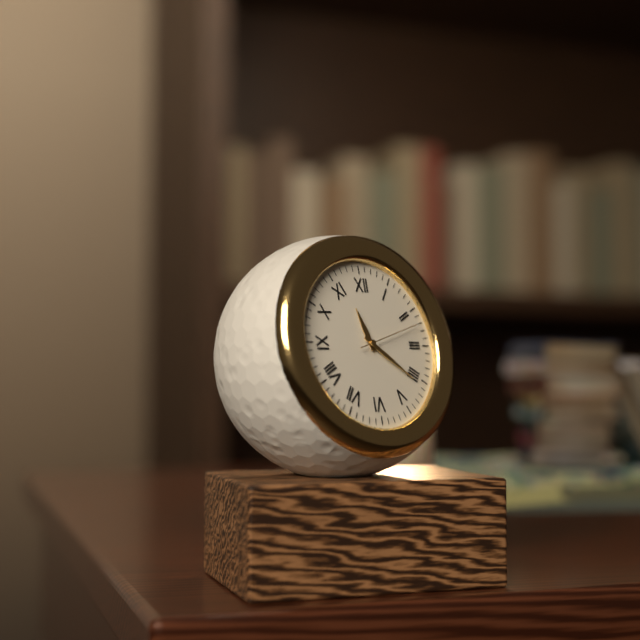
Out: h=11 m=21 s=12
